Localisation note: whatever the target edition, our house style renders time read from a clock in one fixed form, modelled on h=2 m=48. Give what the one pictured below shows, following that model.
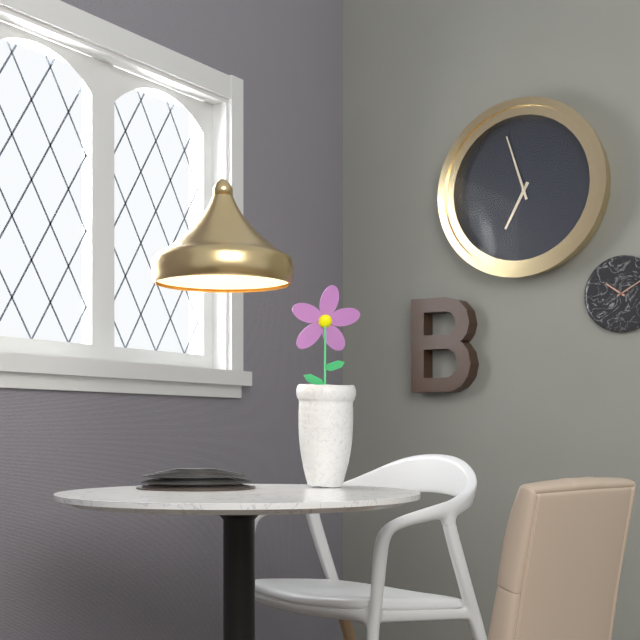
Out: h=6 m=57
